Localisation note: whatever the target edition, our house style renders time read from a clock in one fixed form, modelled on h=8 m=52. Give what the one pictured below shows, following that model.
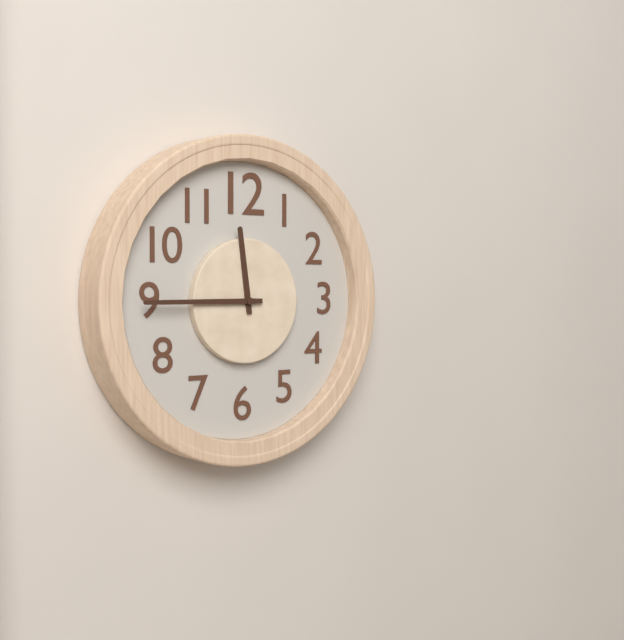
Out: h=11 m=45
